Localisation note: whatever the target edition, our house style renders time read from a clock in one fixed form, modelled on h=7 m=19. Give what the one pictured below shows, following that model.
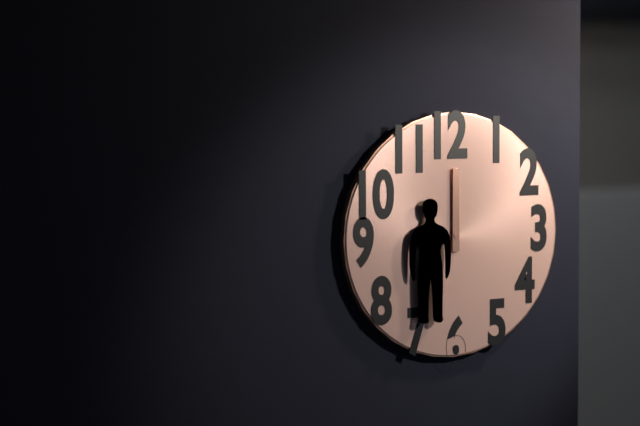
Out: h=12 m=0
